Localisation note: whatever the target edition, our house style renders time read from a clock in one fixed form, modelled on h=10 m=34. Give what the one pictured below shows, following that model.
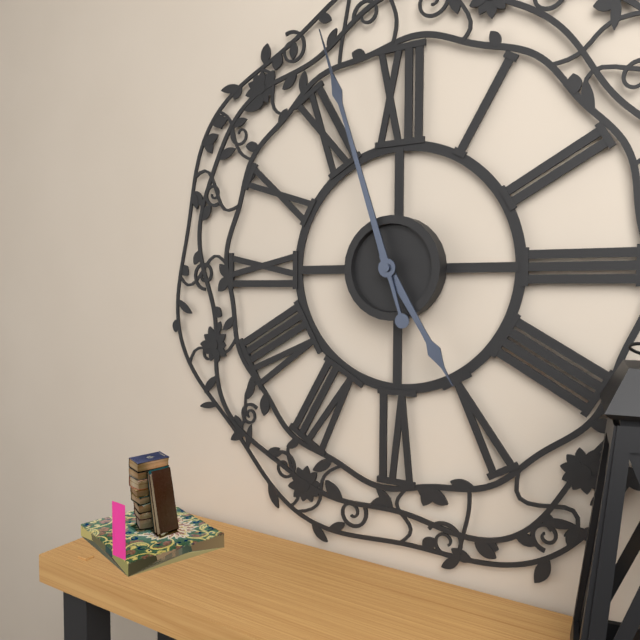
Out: h=4 m=57
